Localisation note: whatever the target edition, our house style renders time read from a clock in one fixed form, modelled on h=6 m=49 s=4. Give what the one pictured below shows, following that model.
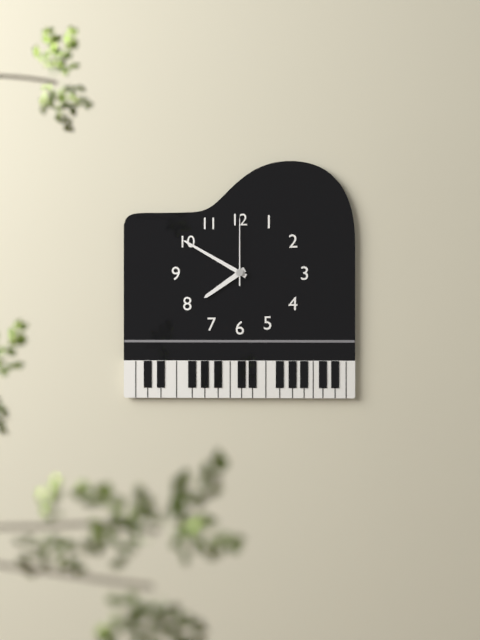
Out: h=7 m=50 s=0
